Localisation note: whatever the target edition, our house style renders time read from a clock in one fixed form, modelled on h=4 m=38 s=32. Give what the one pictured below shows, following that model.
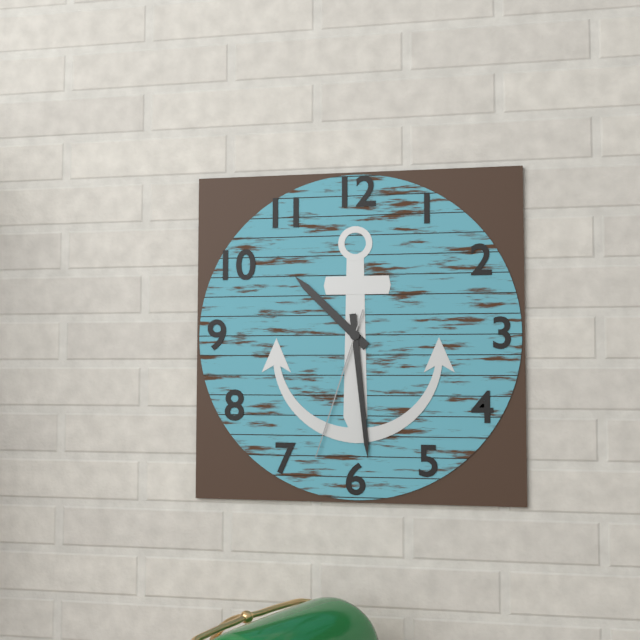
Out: h=10 m=29 s=33
